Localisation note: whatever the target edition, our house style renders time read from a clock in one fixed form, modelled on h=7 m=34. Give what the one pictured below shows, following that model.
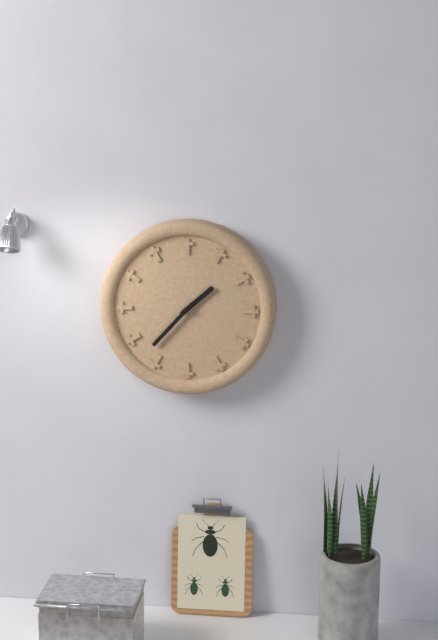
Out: h=1 m=37
